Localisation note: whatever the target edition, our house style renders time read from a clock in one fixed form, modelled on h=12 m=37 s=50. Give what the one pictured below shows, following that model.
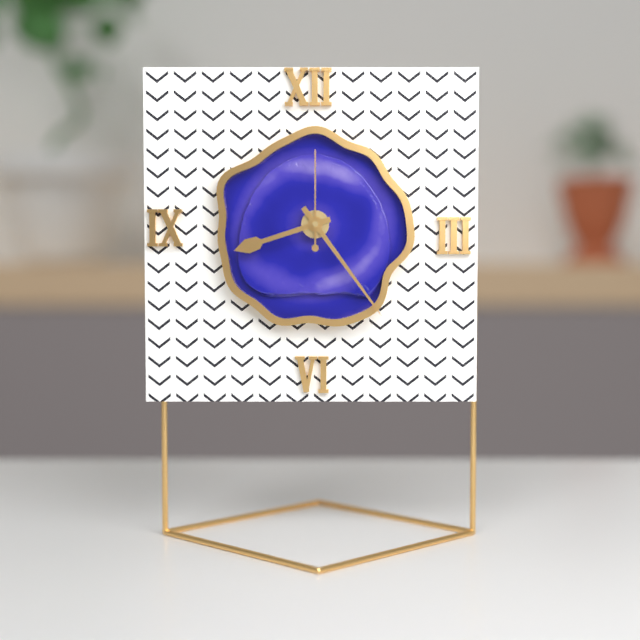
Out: h=8 m=24 s=0
